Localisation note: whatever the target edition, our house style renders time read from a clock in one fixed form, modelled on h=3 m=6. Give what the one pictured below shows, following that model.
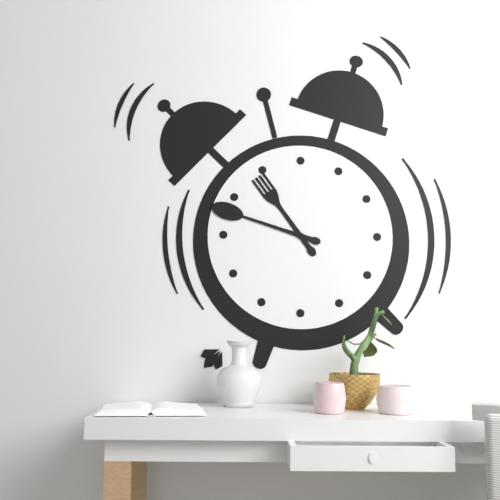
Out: h=10 m=48
